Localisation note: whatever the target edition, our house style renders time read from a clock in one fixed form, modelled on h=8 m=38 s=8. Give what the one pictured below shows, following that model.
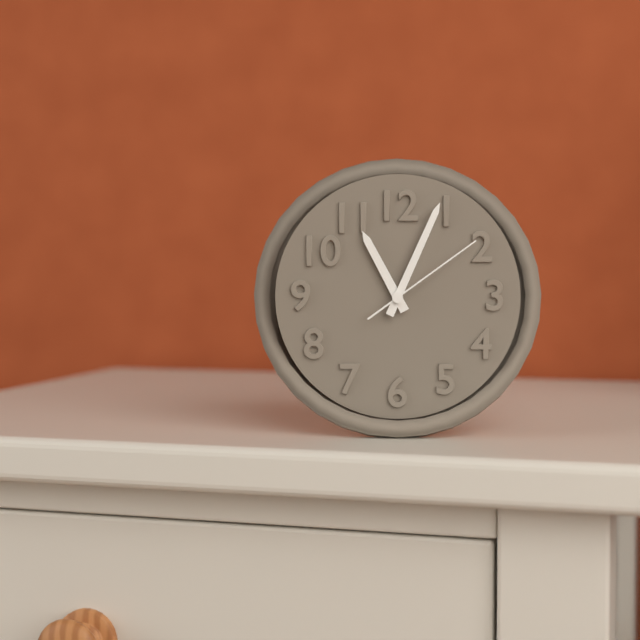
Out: h=11 m=4 s=9
